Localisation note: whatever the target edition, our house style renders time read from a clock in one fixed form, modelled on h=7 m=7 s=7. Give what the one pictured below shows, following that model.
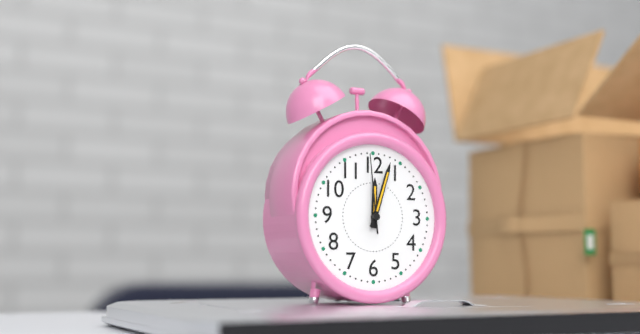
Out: h=12 m=3 s=59
